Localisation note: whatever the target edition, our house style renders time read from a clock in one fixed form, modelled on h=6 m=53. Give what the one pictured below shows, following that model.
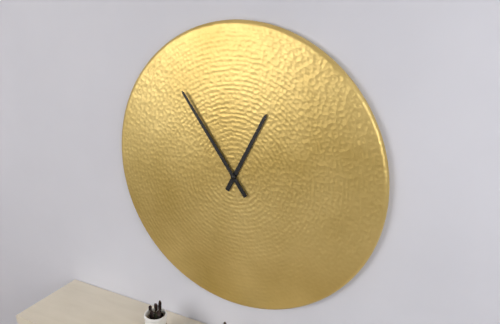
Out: h=12 m=54
